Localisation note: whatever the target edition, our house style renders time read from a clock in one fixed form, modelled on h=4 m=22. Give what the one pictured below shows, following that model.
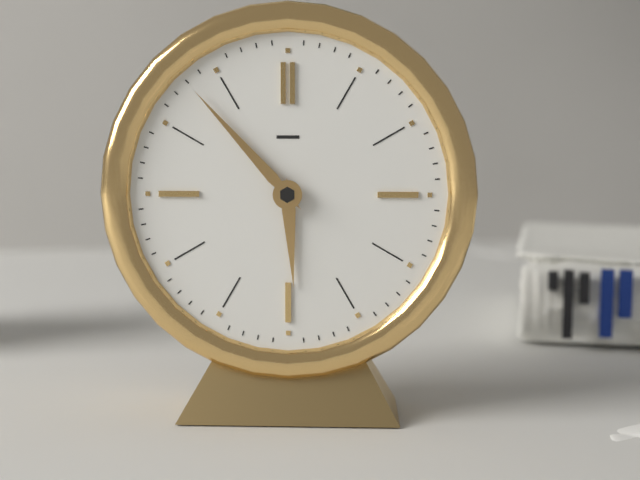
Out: h=5 m=53
